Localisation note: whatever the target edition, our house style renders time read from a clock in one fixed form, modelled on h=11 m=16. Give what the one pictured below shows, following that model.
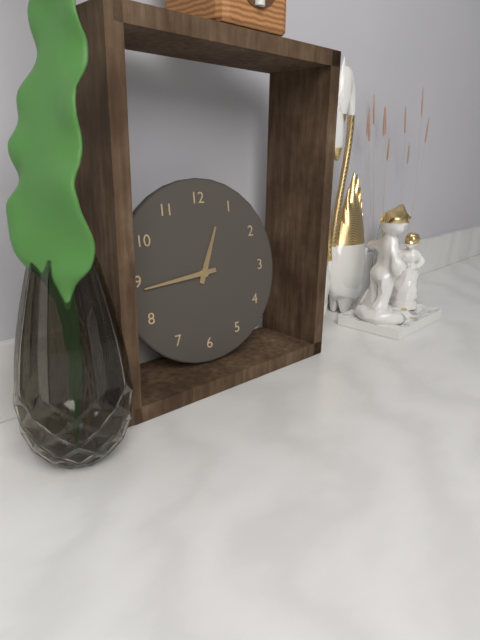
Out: h=12 m=44
